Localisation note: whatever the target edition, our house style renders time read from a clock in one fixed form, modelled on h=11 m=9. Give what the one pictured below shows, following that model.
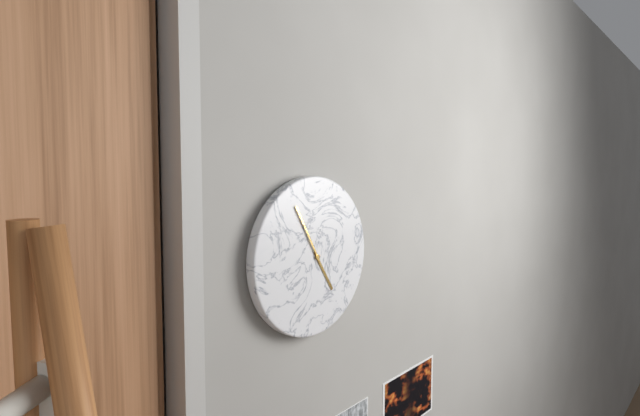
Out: h=4 m=55
